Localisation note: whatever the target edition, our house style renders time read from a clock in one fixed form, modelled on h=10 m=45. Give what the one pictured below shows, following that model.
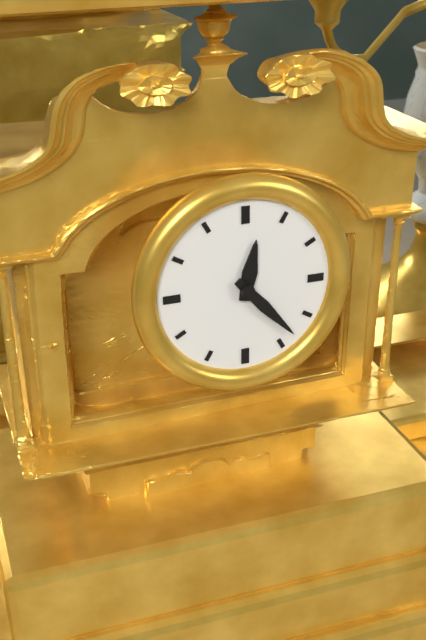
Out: h=12 m=23
